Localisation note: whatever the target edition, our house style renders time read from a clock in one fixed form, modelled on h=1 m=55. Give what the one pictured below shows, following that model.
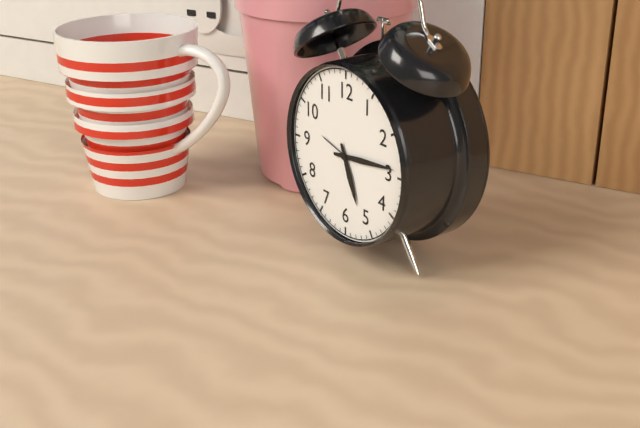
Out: h=5 m=14
